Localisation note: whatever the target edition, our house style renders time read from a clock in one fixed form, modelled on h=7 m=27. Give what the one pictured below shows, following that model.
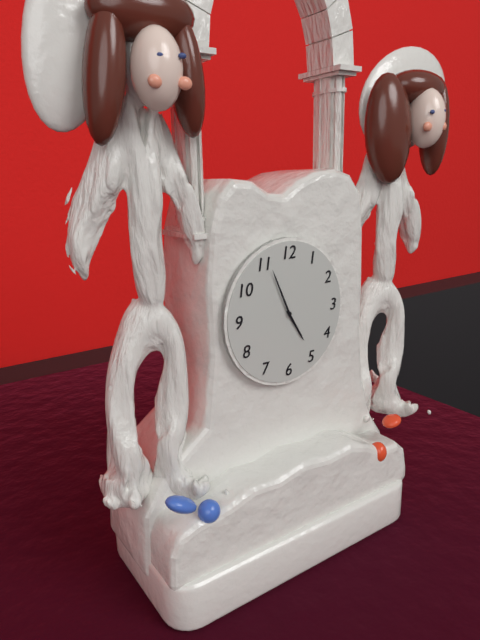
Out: h=4 m=56
